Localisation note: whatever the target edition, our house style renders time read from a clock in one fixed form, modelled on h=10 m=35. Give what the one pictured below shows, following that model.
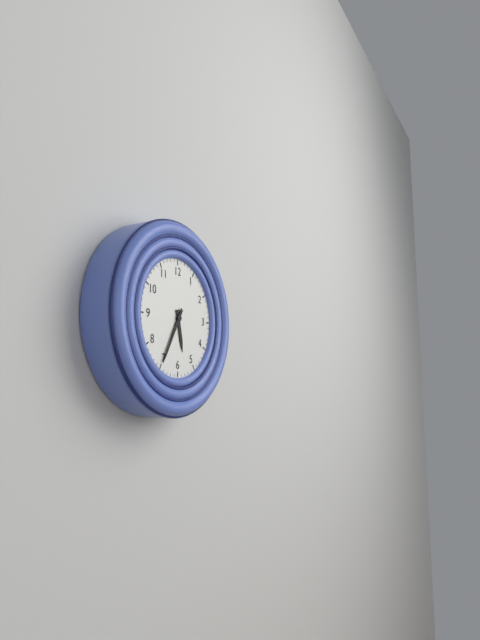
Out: h=5 m=35
